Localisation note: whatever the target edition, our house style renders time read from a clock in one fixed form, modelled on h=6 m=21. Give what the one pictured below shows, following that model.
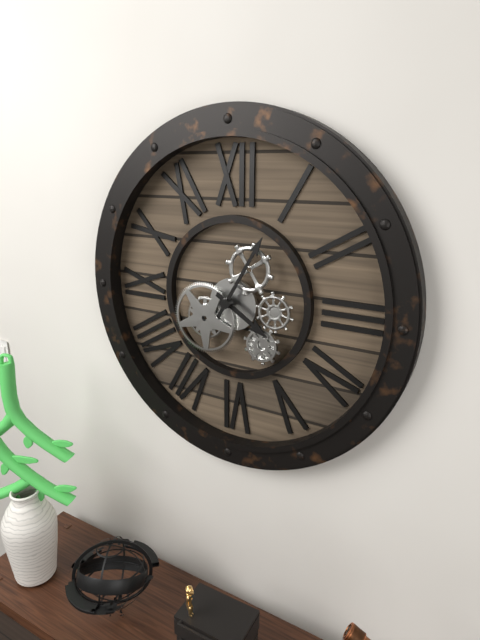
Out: h=4 m=5
